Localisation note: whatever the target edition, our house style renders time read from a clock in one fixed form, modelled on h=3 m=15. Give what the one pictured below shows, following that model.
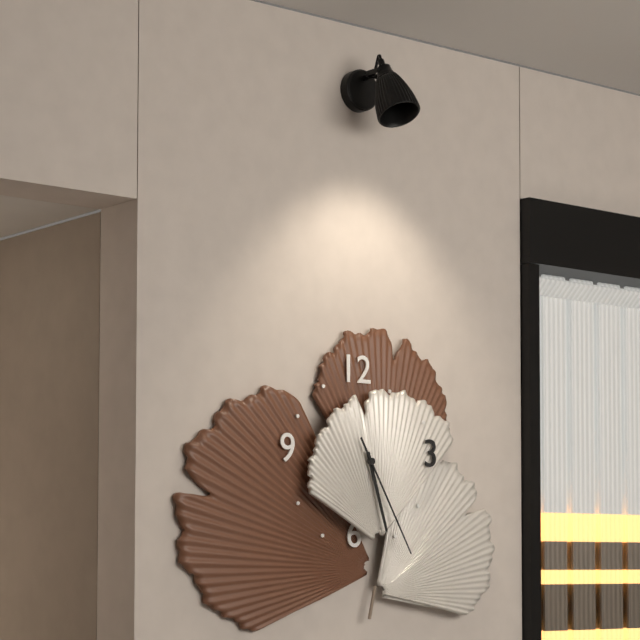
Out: h=5 m=25
